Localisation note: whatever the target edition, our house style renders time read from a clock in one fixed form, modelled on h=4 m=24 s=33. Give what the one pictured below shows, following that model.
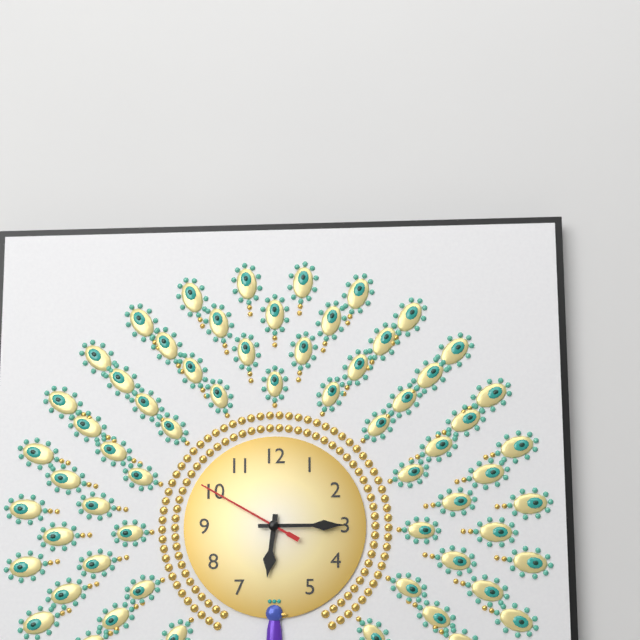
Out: h=6 m=15 s=50
